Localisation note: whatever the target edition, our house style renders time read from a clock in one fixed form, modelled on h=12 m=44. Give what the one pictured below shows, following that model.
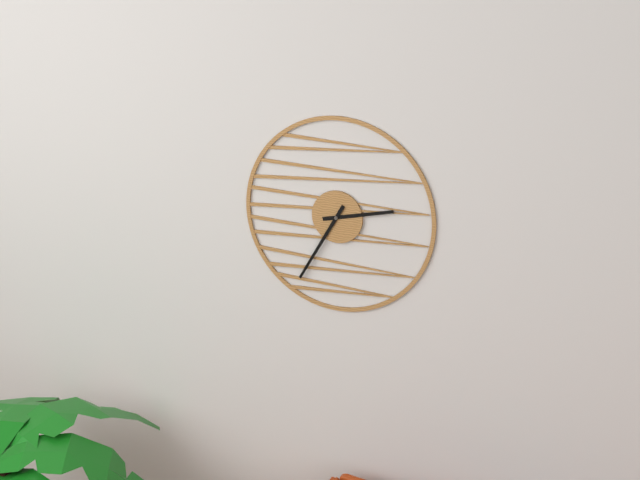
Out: h=2 m=35
